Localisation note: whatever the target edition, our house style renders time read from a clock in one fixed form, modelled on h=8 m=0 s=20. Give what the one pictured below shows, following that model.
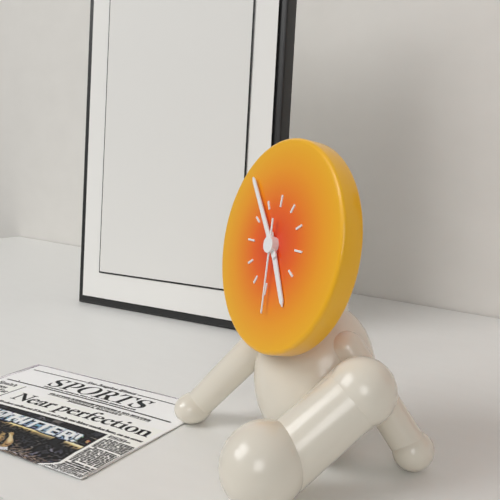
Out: h=4 m=53 s=29
